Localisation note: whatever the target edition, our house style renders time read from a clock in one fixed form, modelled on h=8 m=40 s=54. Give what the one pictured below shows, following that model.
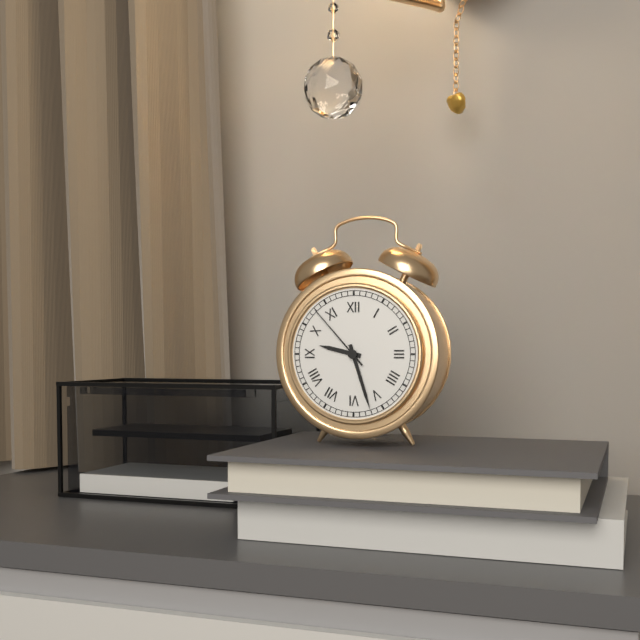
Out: h=9 m=27 s=53
